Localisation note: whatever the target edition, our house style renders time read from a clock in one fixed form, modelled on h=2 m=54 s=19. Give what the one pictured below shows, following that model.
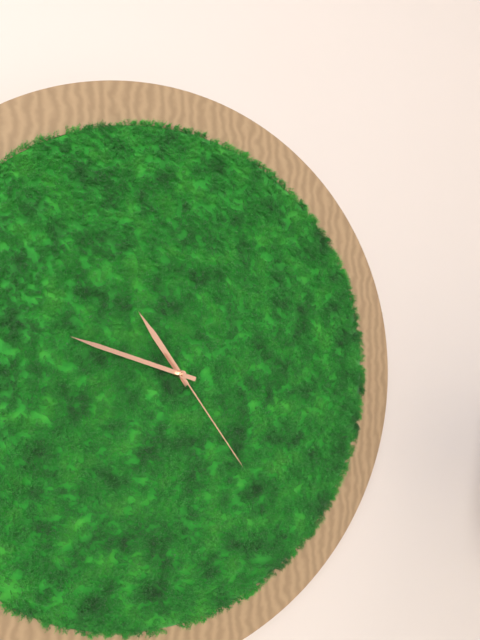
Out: h=10 m=48 s=24
